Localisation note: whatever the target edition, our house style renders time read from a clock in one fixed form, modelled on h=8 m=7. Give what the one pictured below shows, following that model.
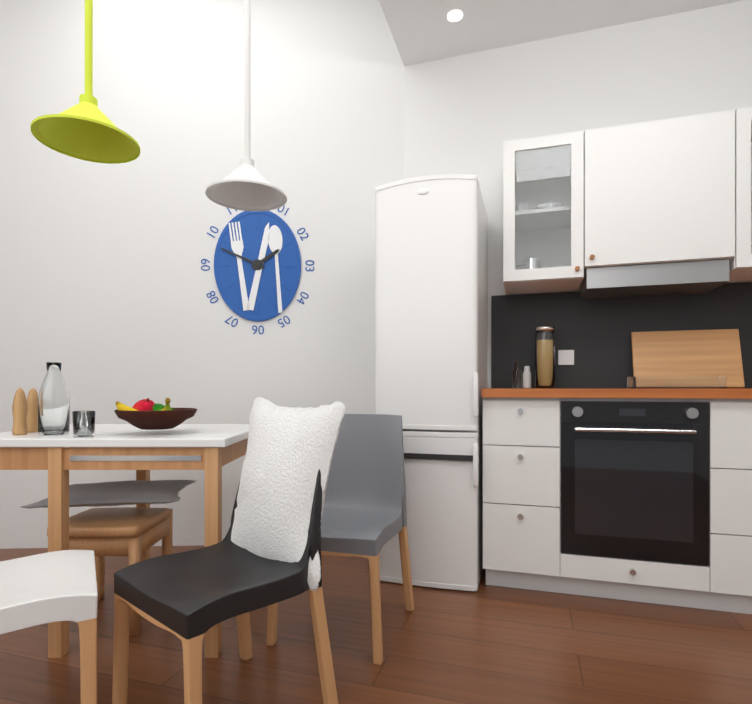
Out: h=1 m=49
